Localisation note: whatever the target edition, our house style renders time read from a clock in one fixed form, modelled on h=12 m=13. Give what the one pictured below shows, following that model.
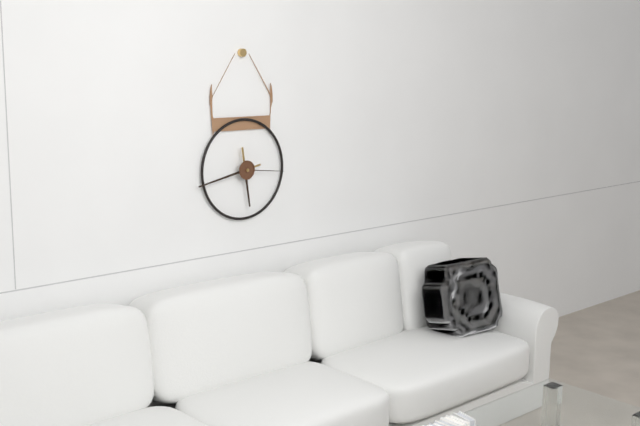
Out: h=5 m=43
